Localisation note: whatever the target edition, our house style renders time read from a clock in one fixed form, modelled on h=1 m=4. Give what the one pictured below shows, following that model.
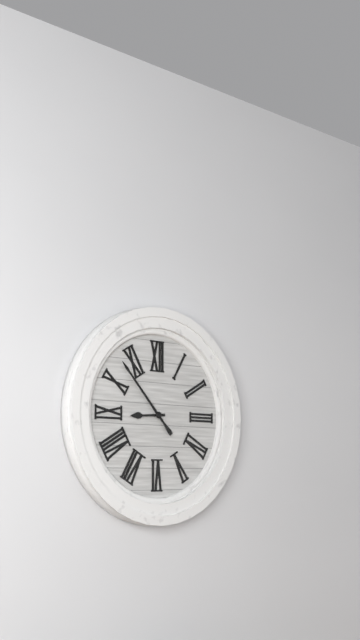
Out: h=8 m=53
